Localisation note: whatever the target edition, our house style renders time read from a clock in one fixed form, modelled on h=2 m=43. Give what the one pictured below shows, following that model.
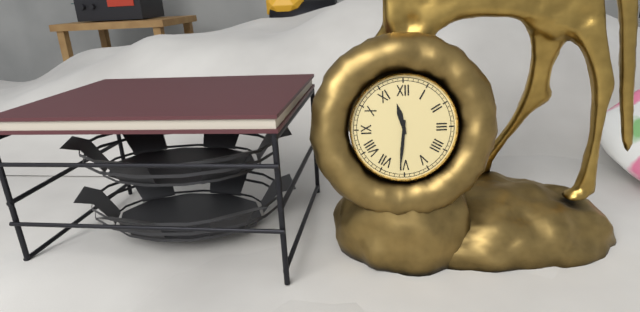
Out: h=11 m=31
